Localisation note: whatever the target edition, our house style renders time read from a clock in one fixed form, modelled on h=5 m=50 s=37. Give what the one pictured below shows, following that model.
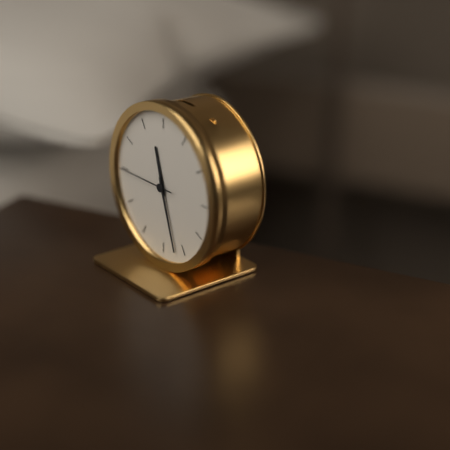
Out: h=11 m=27 s=45
